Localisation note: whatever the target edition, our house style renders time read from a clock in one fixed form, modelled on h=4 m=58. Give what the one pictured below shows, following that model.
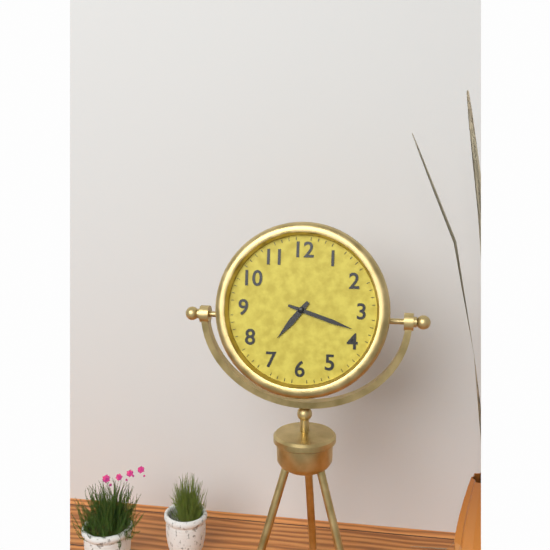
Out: h=7 m=18
